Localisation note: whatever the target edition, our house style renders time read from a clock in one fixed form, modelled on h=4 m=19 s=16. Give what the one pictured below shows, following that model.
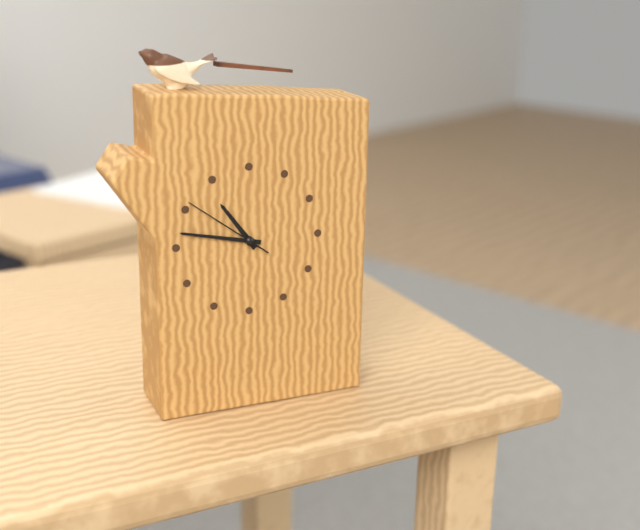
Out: h=10 m=47 s=51
